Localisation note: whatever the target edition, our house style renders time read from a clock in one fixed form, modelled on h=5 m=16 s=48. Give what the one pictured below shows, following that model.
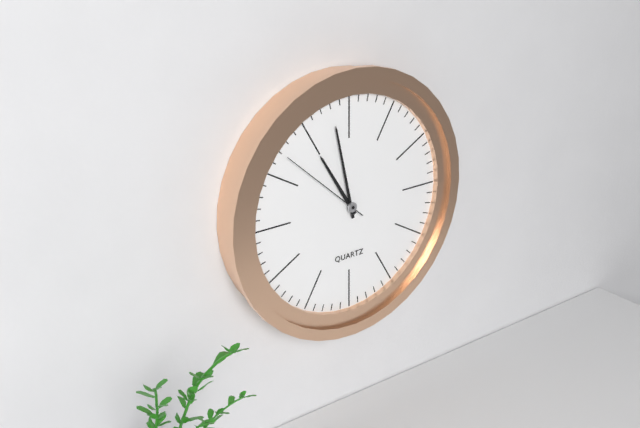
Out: h=10 m=58 s=52
